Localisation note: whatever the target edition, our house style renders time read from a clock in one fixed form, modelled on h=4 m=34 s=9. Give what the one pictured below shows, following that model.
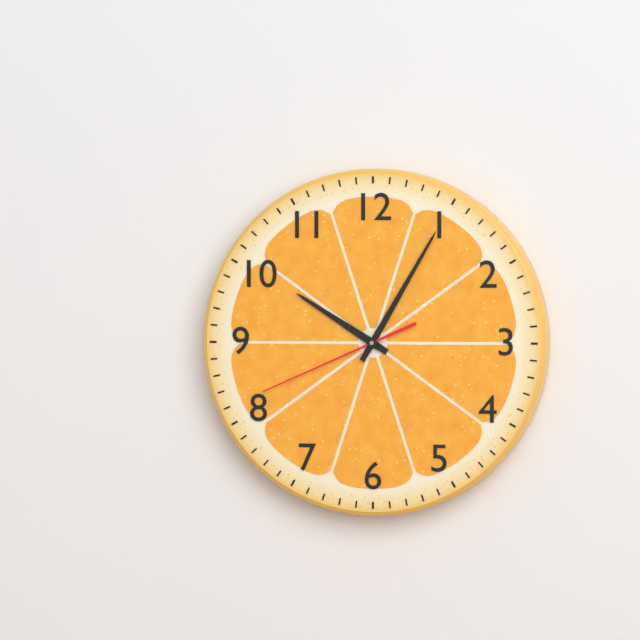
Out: h=10 m=5 s=41
